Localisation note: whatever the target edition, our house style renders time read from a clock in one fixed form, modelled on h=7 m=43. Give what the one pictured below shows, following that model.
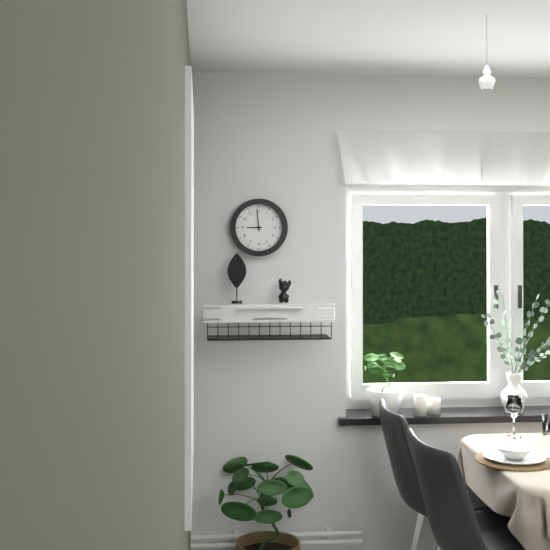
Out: h=8 m=59
